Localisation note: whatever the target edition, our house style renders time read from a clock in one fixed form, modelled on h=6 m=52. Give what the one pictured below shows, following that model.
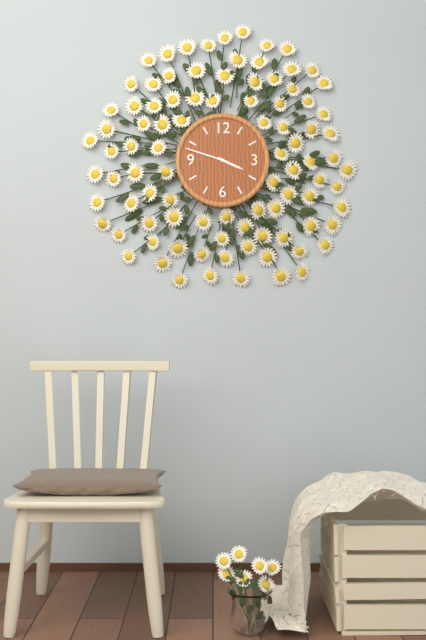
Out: h=3 m=48
